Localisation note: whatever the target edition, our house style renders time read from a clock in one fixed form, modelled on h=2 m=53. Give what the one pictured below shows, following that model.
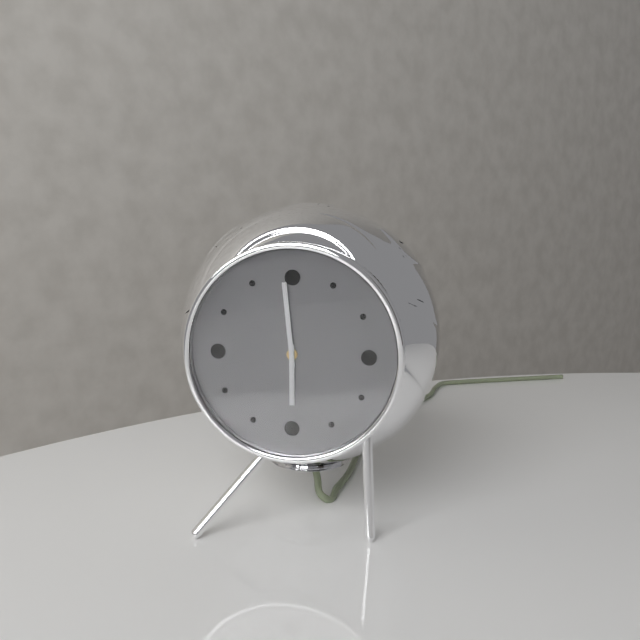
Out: h=5 m=59
